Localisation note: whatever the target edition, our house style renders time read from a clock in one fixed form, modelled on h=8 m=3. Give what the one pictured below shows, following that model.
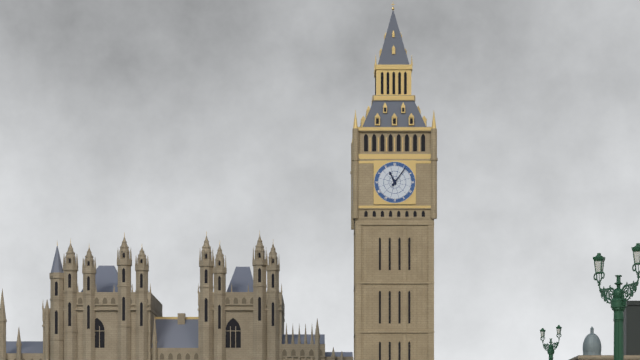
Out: h=11 m=6
